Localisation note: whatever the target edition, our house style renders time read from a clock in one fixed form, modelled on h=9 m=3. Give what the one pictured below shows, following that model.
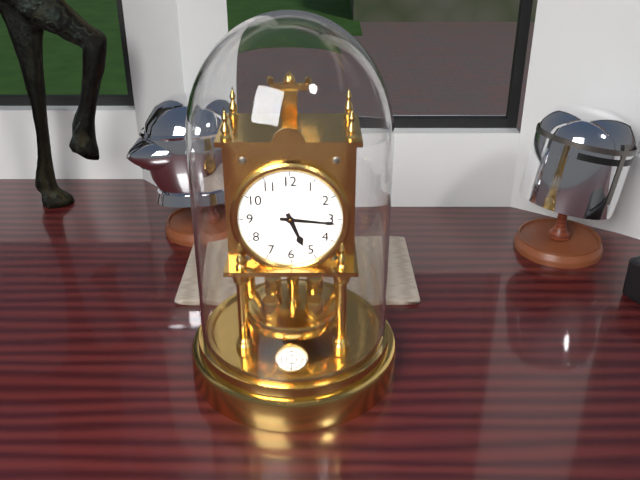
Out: h=5 m=16
